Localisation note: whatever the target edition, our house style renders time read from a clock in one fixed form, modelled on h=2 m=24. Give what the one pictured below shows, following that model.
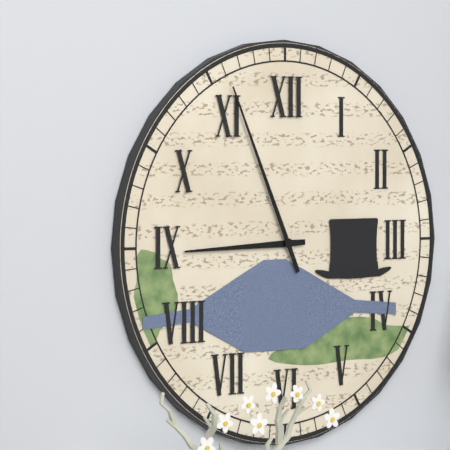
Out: h=8 m=56
